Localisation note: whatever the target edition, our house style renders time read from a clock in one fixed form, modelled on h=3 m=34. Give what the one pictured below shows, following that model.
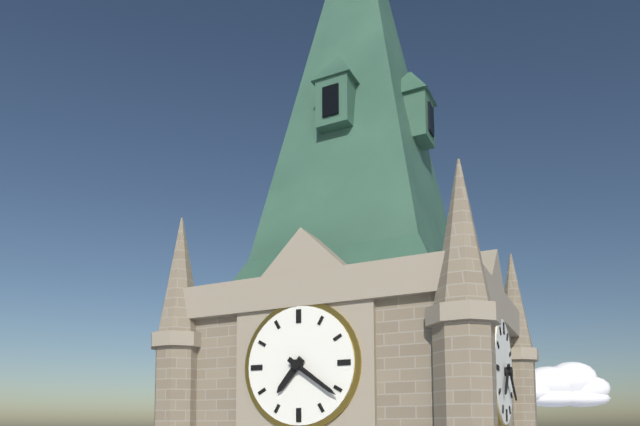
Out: h=7 m=21
